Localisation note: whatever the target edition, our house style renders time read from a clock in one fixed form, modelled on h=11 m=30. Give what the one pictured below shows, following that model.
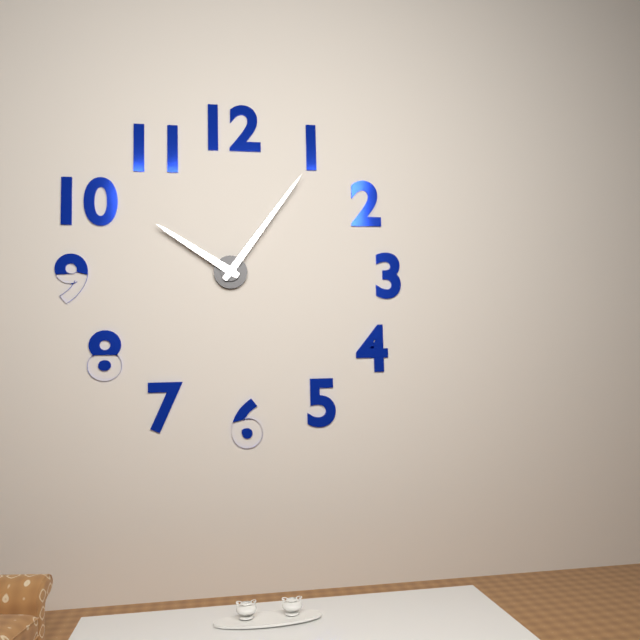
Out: h=10 m=6
